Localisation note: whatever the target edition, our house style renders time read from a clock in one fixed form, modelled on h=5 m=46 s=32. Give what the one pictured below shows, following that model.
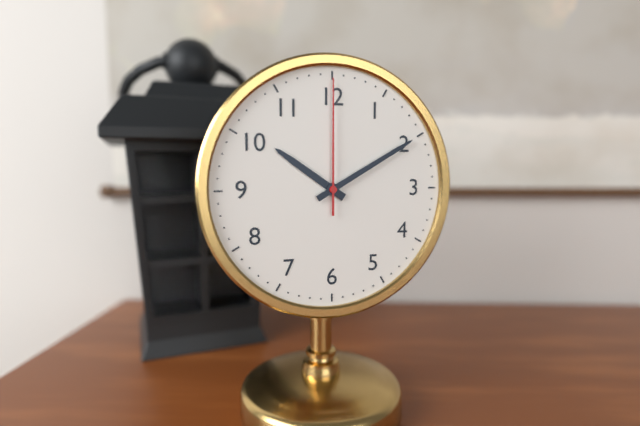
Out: h=10 m=10 s=0
